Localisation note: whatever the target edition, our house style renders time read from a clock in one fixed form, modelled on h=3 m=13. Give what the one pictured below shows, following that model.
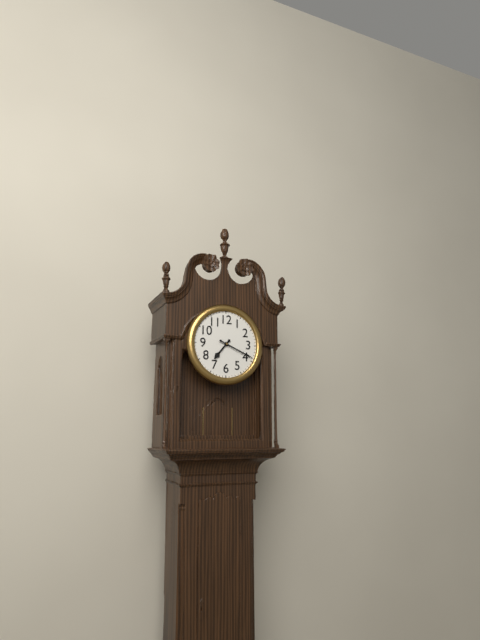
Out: h=7 m=19
